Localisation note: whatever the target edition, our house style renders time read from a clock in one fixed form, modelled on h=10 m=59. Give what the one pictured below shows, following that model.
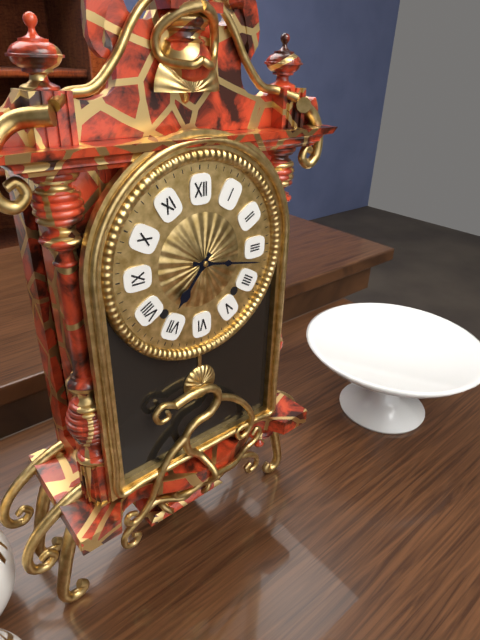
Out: h=7 m=17
